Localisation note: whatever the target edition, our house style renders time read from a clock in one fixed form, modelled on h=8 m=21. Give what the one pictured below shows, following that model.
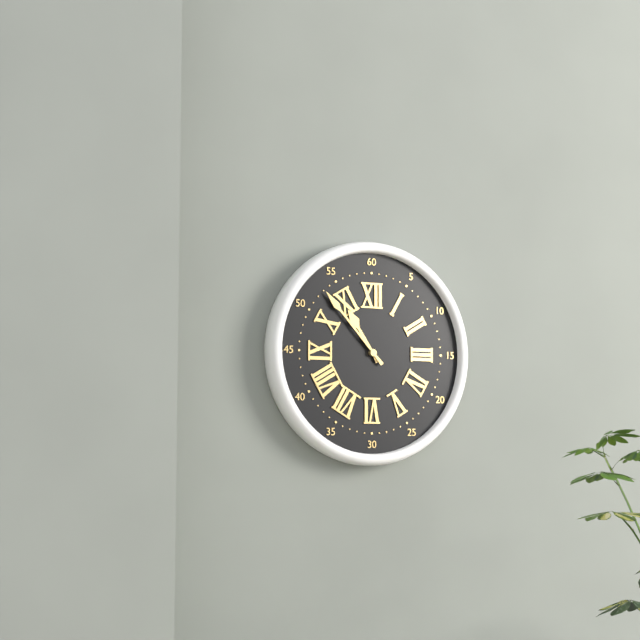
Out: h=10 m=53
